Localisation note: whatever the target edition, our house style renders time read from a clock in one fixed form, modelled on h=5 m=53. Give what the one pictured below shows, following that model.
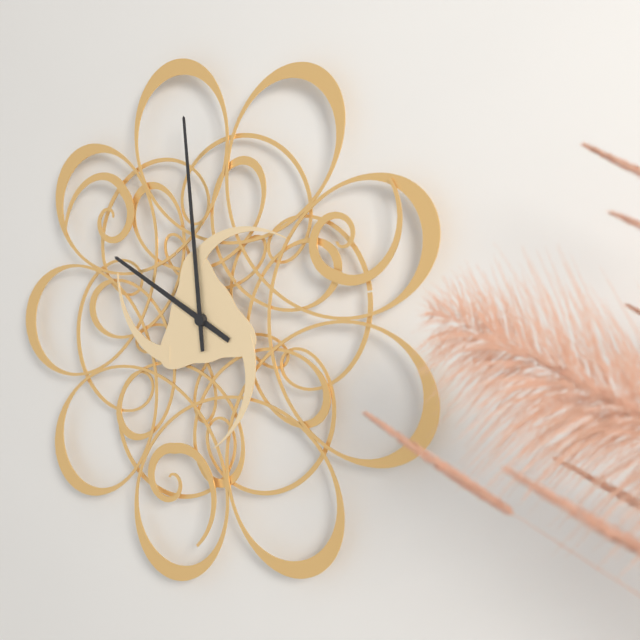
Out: h=9 m=59
